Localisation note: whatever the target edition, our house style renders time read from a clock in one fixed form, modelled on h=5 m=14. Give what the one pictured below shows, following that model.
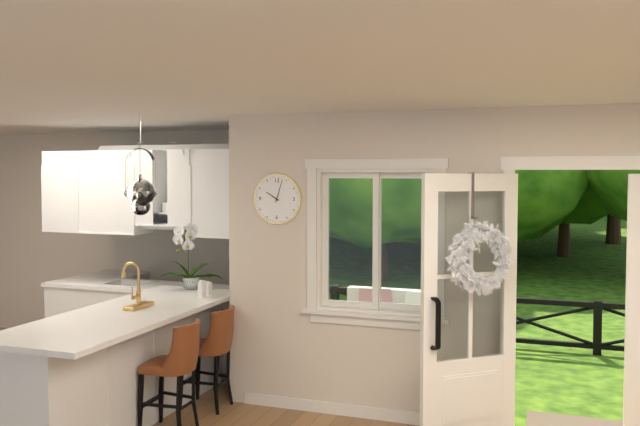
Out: h=10 m=3
